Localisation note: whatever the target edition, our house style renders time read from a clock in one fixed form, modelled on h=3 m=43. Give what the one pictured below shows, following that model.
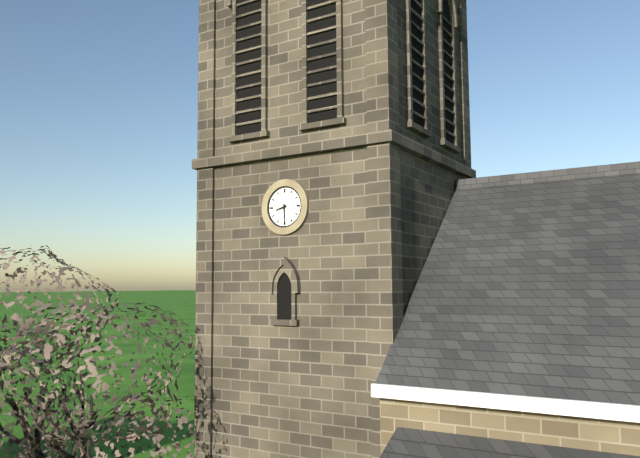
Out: h=8 m=30
